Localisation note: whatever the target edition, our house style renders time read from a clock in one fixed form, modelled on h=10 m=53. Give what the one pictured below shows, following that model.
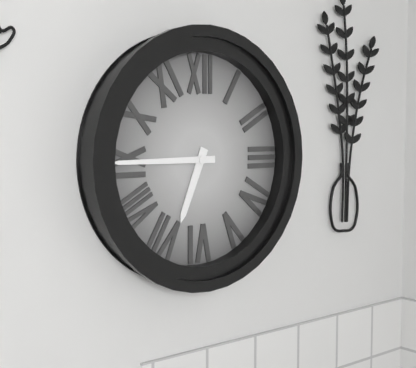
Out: h=6 m=45
